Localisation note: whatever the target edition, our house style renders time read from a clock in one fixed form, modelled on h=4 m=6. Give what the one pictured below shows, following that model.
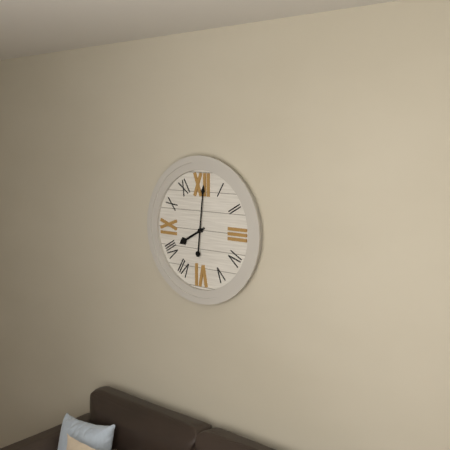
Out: h=8 m=1
